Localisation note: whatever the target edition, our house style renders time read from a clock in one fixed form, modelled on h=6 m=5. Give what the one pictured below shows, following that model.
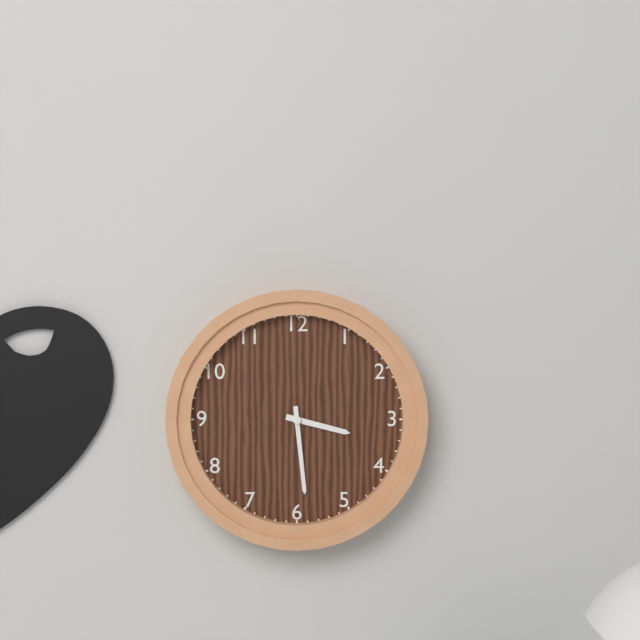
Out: h=3 m=29
